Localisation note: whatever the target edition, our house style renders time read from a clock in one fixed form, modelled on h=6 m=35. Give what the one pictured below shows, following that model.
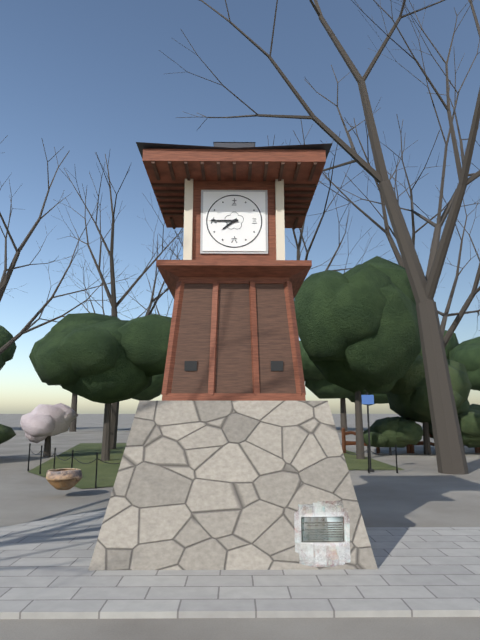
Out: h=7 m=45
